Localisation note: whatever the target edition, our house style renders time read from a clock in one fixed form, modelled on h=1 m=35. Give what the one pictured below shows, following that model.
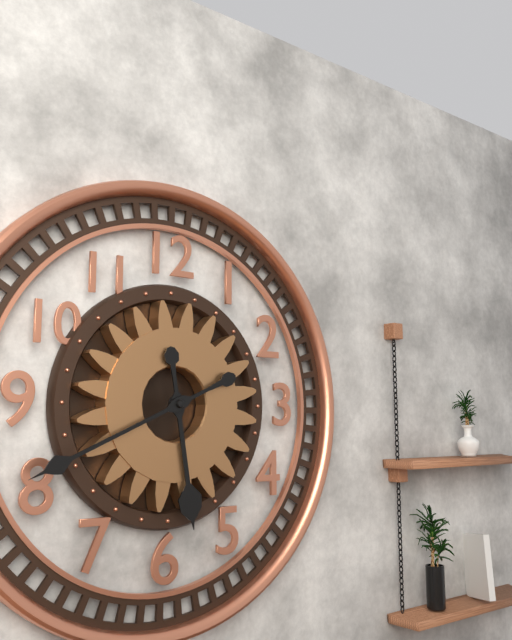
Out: h=5 m=41
